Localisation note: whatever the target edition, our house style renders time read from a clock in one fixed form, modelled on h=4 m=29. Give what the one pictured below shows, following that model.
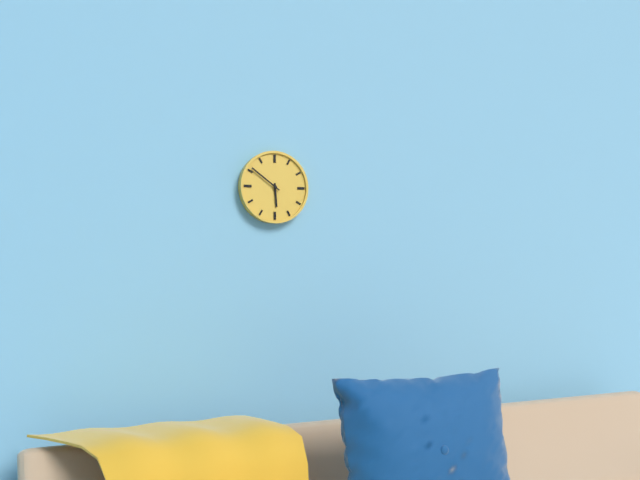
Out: h=5 m=51
